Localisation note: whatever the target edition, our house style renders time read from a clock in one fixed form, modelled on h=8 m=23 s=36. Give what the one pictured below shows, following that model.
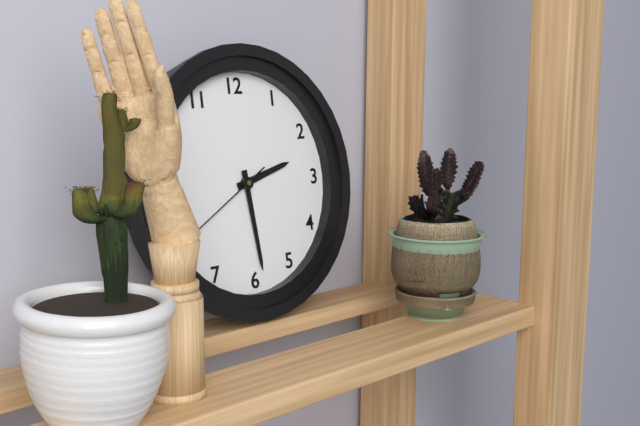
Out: h=2 m=29 s=40
